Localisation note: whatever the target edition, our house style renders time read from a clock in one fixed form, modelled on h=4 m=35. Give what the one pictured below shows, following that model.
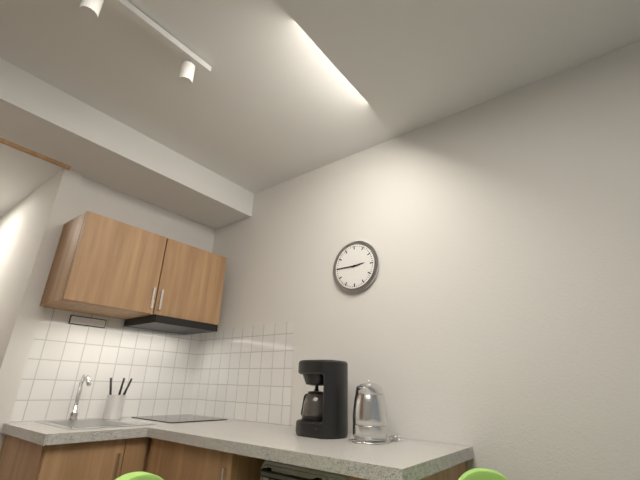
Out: h=2 m=45
